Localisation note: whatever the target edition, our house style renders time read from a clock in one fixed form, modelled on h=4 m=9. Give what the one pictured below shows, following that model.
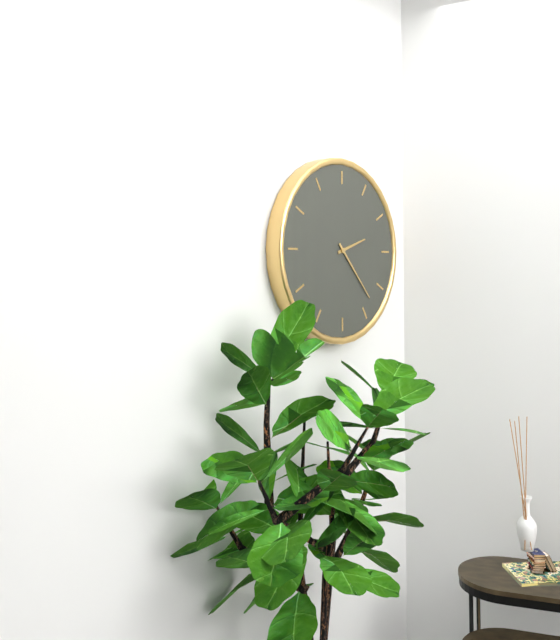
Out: h=2 m=23
